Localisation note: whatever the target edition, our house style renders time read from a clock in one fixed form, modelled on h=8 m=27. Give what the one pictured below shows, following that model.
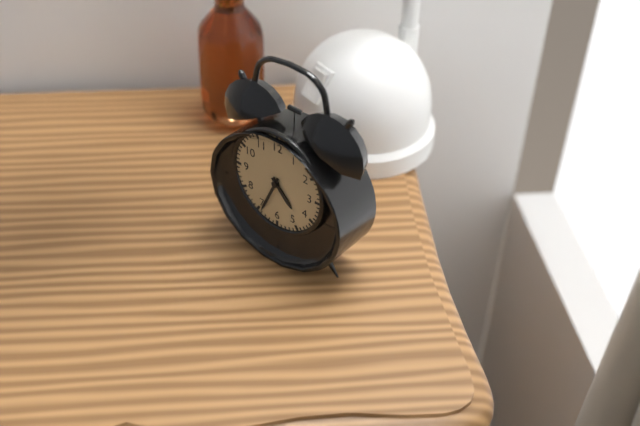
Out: h=4 m=34
